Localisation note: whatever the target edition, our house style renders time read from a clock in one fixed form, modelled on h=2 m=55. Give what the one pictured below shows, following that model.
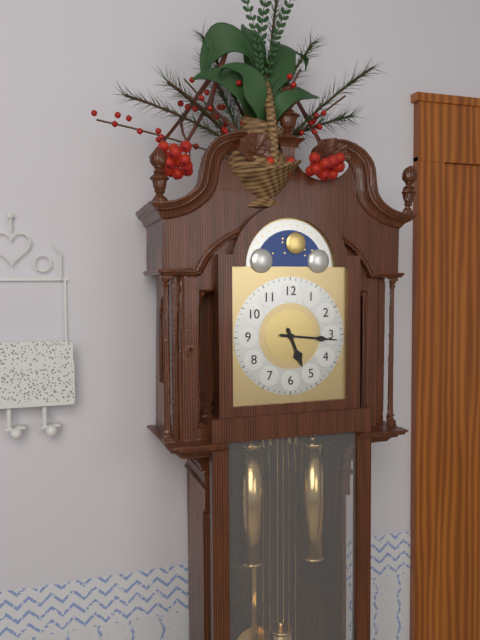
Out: h=5 m=16
